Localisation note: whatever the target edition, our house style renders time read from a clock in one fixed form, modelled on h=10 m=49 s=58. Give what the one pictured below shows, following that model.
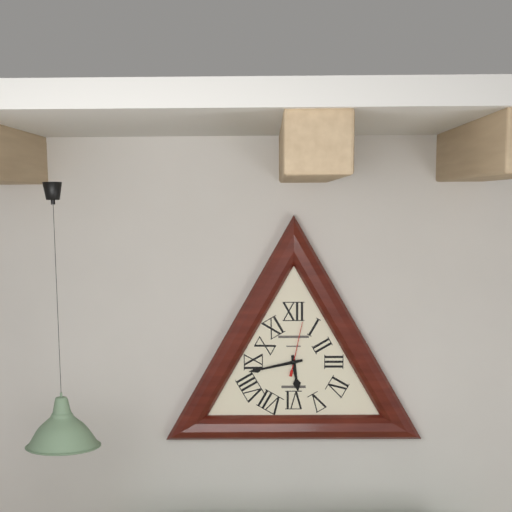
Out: h=5 m=43 s=2
